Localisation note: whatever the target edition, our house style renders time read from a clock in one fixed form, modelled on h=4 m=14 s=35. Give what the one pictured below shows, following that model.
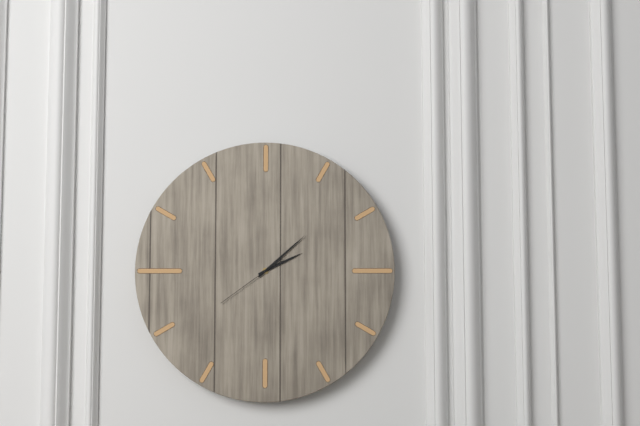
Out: h=2 m=8 s=39
